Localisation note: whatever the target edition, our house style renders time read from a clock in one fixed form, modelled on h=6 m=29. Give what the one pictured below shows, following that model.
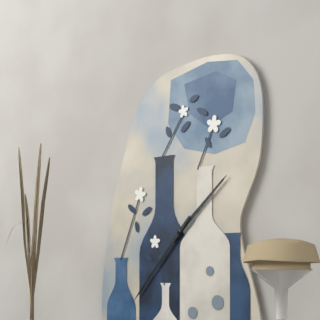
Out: h=1 m=37
